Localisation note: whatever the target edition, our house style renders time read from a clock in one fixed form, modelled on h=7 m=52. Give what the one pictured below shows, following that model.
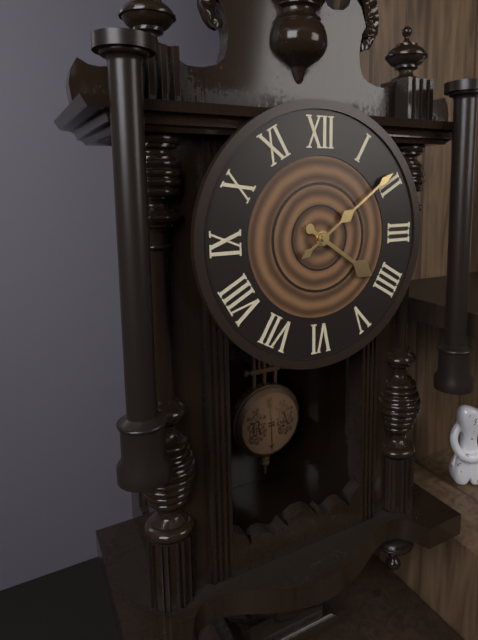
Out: h=4 m=9
